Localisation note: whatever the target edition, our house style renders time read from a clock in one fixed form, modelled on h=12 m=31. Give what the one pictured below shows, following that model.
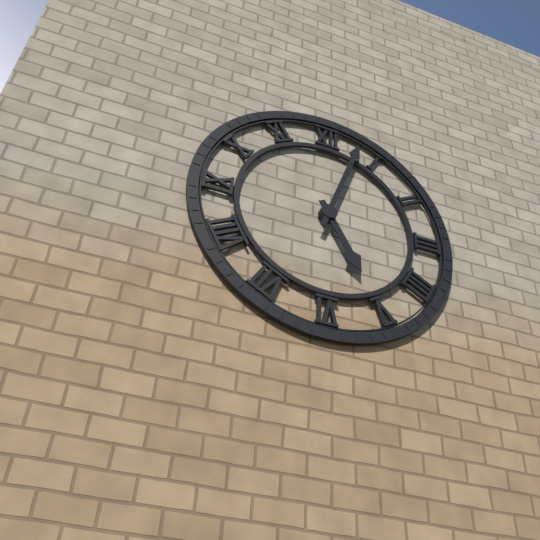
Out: h=5 m=3
